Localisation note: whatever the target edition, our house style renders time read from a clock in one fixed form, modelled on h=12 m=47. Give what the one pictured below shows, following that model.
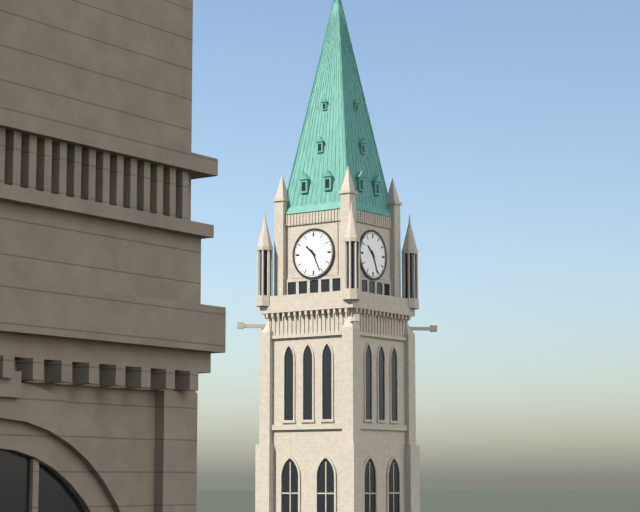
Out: h=10 m=26
